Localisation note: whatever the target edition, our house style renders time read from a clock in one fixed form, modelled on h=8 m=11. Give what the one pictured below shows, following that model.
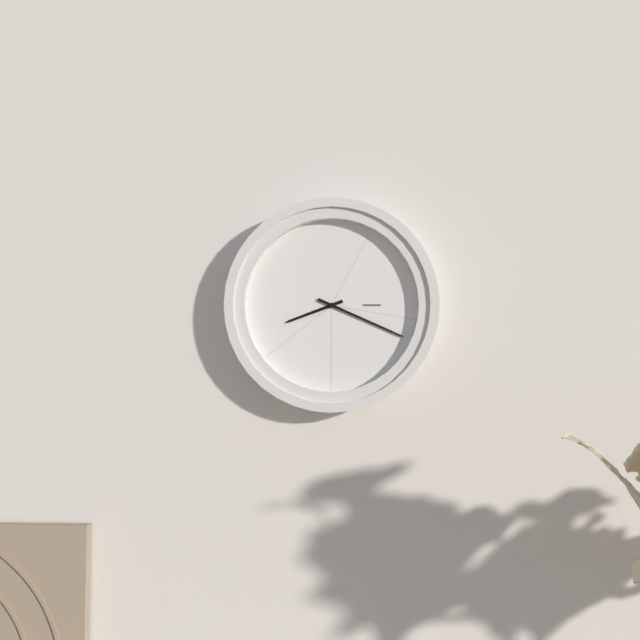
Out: h=8 m=19
